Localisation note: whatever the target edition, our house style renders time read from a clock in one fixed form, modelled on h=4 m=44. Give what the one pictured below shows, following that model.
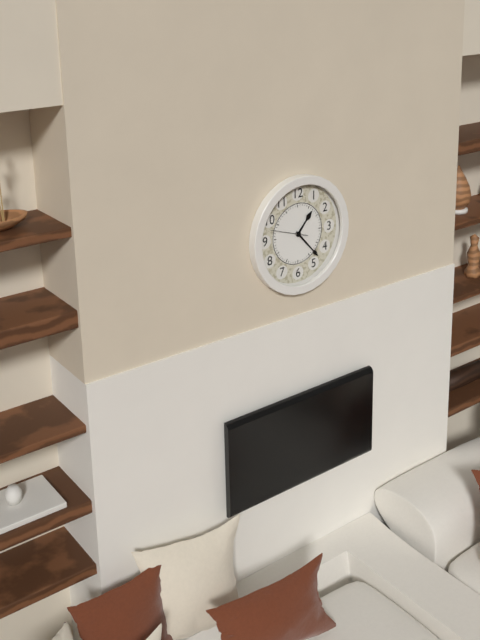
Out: h=1 m=23
